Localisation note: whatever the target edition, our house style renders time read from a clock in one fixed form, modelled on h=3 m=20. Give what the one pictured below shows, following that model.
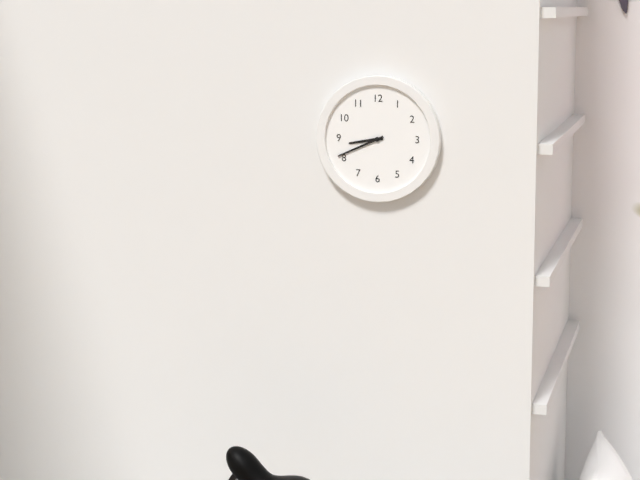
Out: h=8 m=41
